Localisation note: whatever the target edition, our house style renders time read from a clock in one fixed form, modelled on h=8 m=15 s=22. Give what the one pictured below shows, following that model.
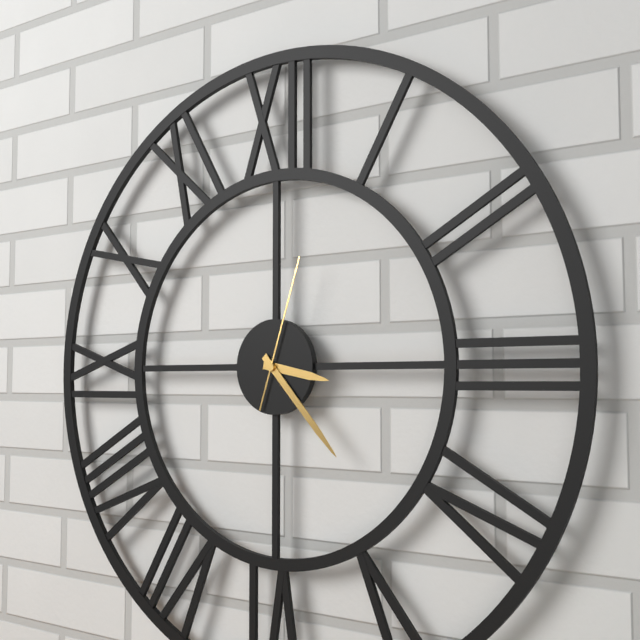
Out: h=3 m=23 s=3
